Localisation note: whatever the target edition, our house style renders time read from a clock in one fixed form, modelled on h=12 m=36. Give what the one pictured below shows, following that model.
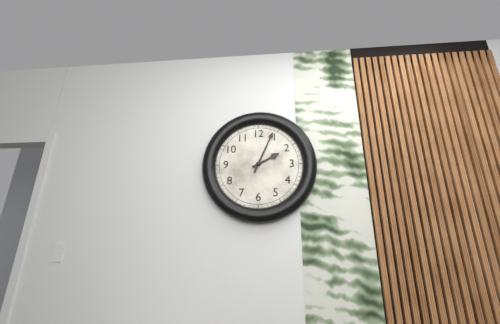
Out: h=2 m=4
